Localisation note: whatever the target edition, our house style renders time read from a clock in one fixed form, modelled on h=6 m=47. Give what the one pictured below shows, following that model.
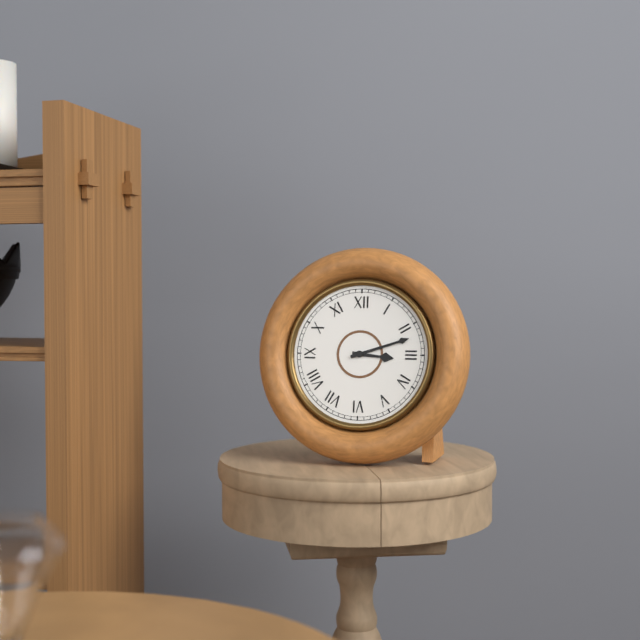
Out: h=3 m=12
